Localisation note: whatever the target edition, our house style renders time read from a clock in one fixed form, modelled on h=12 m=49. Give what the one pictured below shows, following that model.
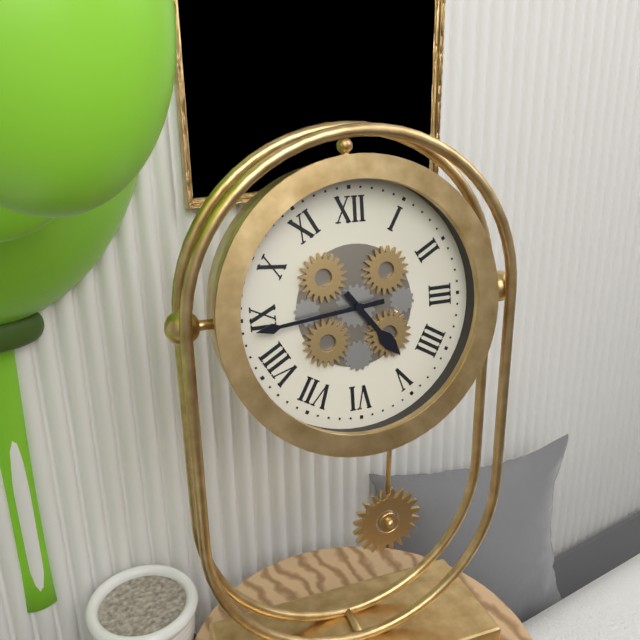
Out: h=4 m=44
